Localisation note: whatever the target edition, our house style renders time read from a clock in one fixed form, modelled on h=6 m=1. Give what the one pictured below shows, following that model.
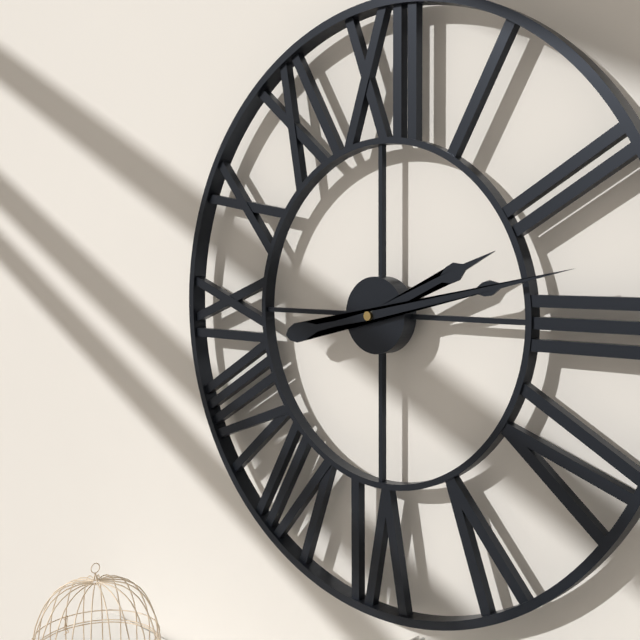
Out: h=2 m=13
